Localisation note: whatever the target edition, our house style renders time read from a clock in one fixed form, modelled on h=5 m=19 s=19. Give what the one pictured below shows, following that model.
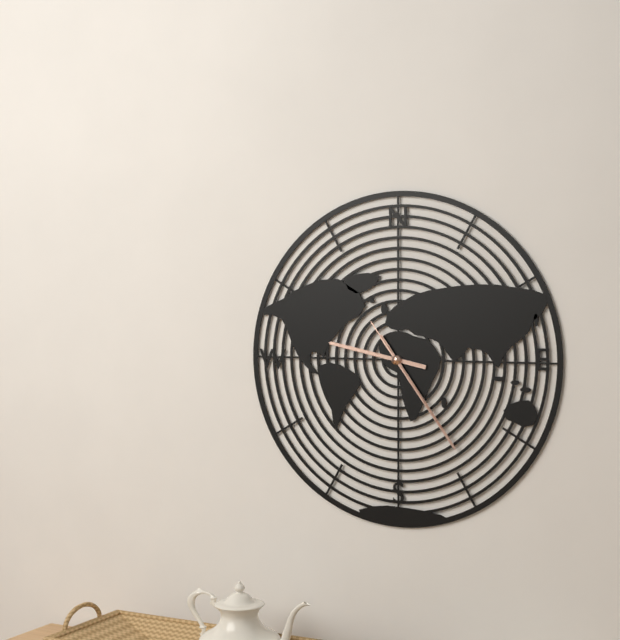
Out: h=9 m=24 s=24
